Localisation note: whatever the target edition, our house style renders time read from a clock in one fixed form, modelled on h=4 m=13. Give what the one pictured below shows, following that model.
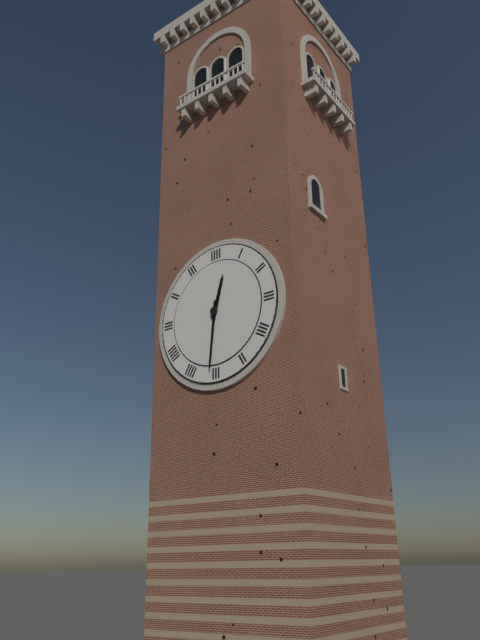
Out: h=12 m=31
